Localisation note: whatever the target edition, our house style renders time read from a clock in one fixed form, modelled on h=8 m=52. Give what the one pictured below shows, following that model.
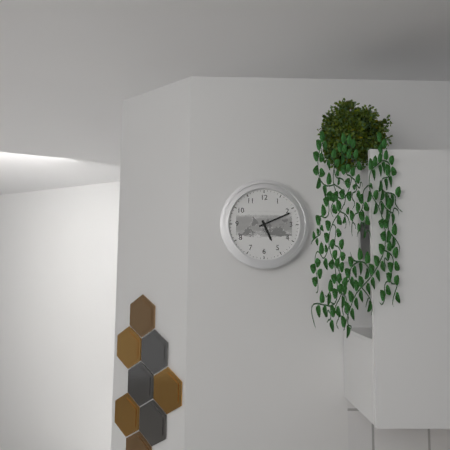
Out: h=5 m=11
